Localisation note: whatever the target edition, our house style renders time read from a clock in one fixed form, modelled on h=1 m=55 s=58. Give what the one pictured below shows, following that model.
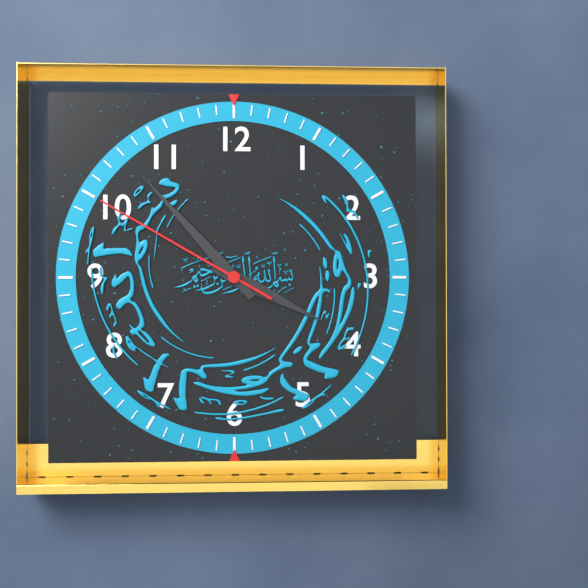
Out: h=3 m=53 s=50
